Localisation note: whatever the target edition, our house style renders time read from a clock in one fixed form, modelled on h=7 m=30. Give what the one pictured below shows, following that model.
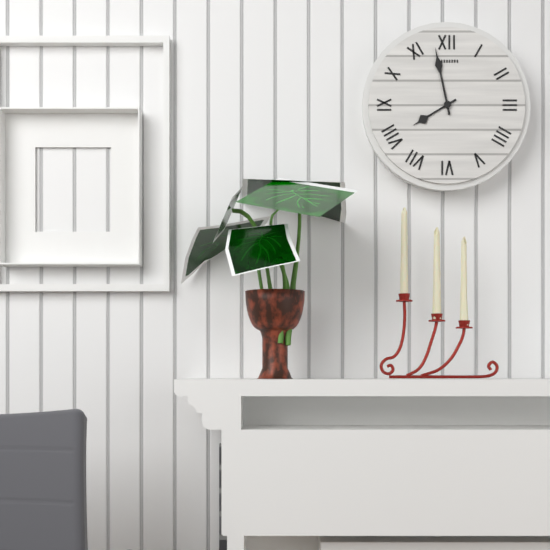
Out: h=7 m=58
